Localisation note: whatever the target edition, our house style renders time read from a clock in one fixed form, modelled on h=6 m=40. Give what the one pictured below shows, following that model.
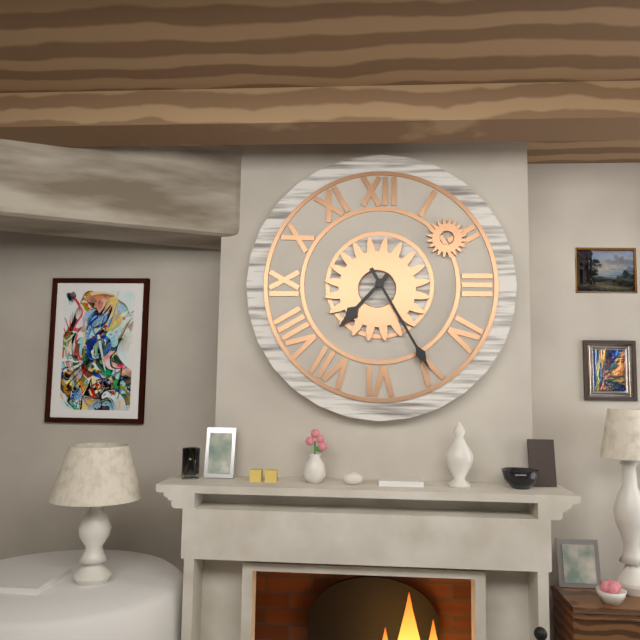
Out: h=7 m=25
